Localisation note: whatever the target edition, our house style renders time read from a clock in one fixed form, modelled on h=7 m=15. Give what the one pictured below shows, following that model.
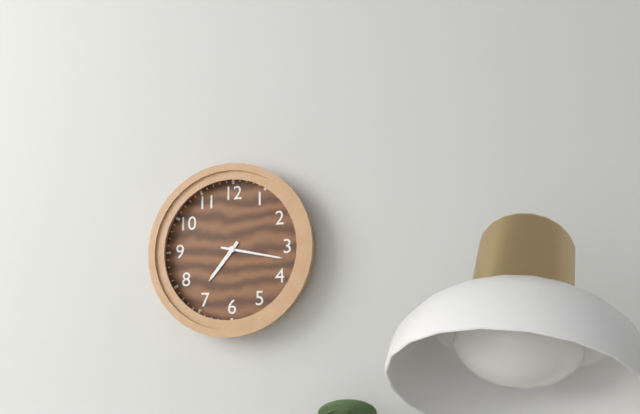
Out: h=7 m=17
